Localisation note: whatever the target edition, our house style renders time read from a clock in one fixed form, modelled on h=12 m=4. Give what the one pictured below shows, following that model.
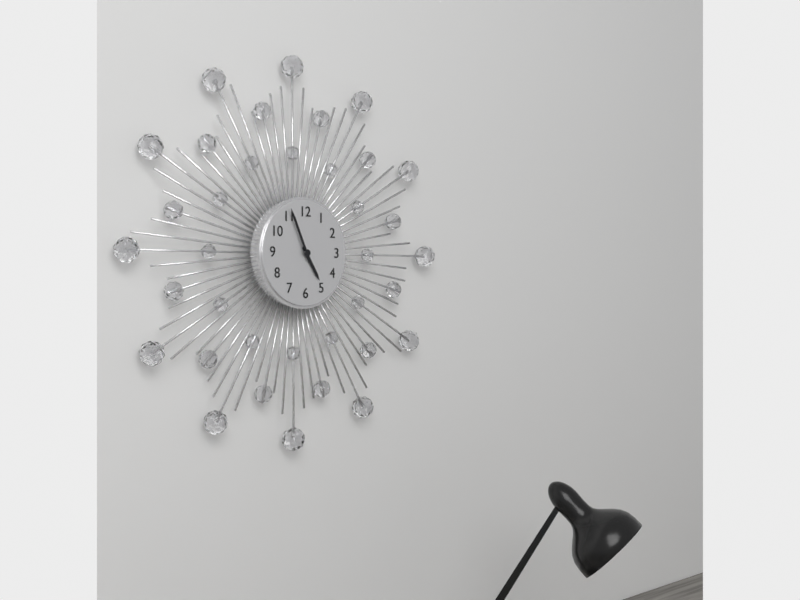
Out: h=4 m=56
